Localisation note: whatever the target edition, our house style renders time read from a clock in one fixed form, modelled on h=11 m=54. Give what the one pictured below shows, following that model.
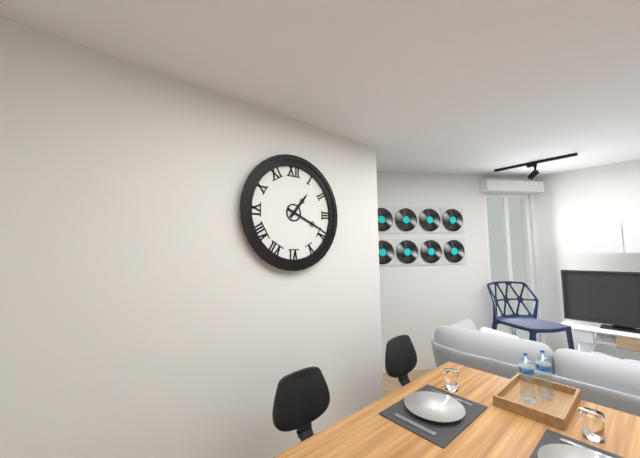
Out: h=1 m=19
